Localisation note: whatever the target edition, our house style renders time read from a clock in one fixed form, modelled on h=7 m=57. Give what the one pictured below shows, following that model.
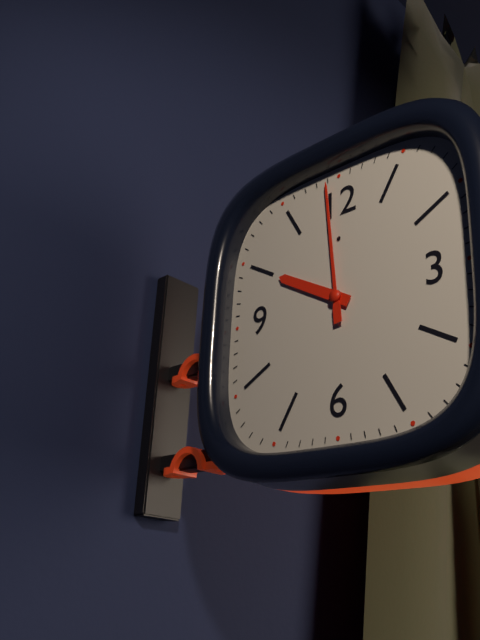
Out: h=9 m=59
